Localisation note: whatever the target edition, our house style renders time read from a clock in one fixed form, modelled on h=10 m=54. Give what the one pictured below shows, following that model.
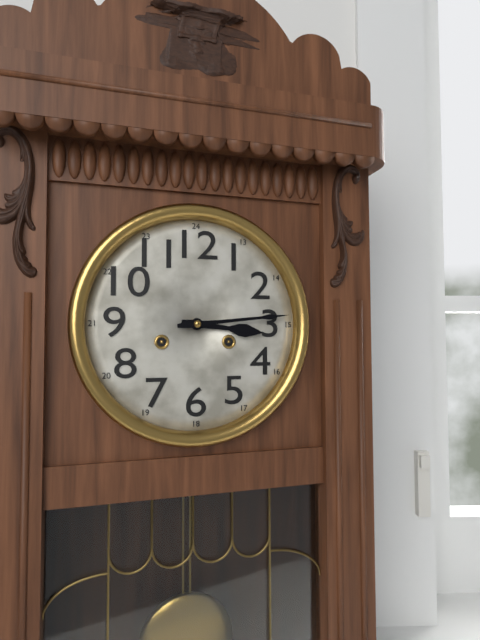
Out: h=3 m=14
